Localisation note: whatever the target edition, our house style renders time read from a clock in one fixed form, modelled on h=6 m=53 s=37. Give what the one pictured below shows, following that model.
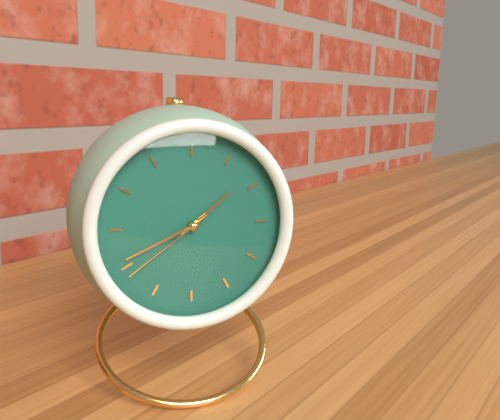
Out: h=1 m=41 s=39
